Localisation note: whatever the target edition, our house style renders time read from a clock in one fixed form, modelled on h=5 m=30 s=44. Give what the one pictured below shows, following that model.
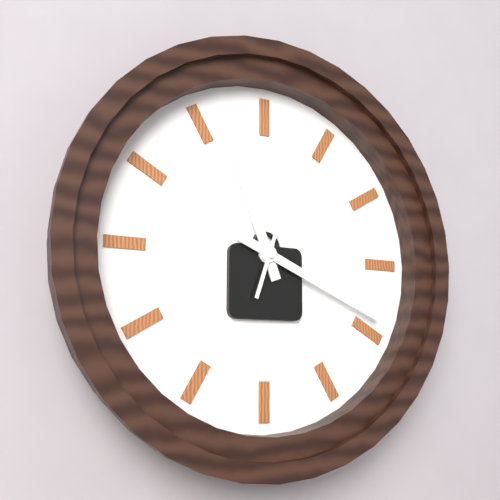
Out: h=11 m=19 s=3
